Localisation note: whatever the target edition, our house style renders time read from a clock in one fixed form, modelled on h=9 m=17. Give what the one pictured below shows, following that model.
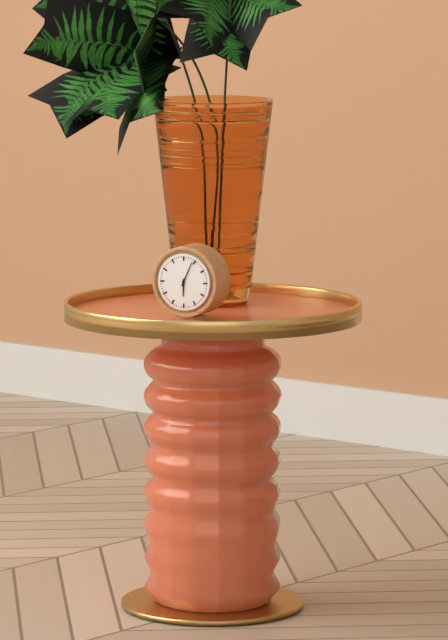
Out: h=6 m=4
